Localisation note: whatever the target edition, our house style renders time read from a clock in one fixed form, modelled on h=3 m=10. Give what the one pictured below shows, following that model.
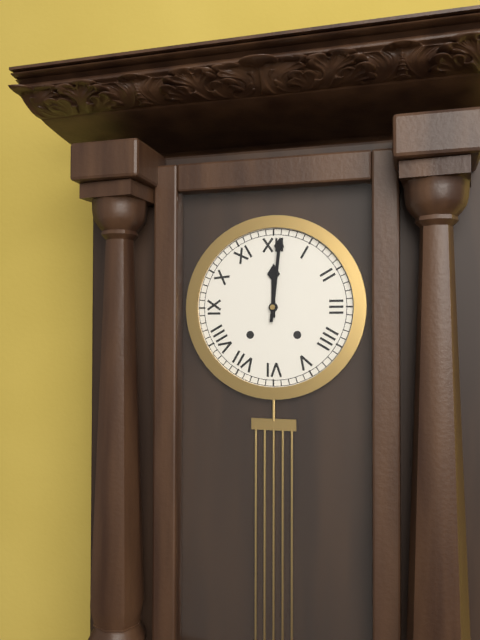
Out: h=12 m=1
